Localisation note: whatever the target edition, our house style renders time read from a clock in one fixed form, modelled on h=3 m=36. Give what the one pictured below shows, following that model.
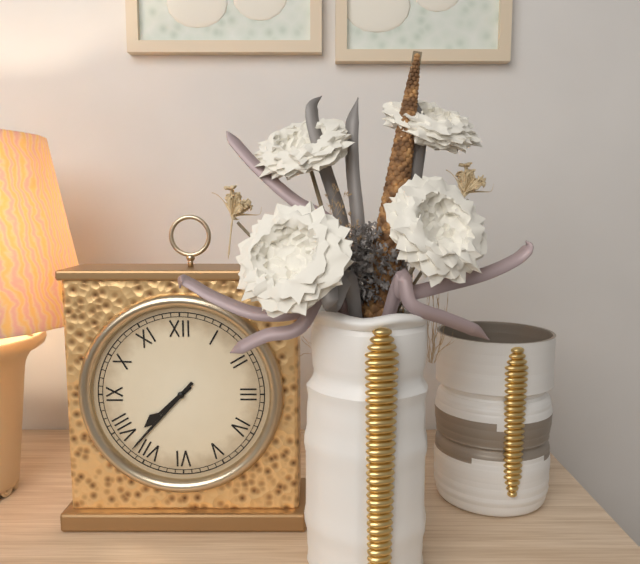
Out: h=7 m=37
